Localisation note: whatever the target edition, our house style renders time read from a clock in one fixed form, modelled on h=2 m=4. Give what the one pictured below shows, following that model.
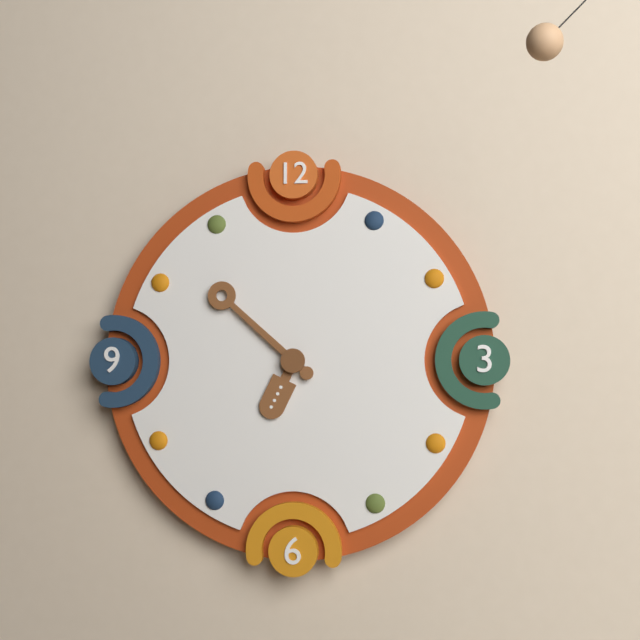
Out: h=6 m=52
